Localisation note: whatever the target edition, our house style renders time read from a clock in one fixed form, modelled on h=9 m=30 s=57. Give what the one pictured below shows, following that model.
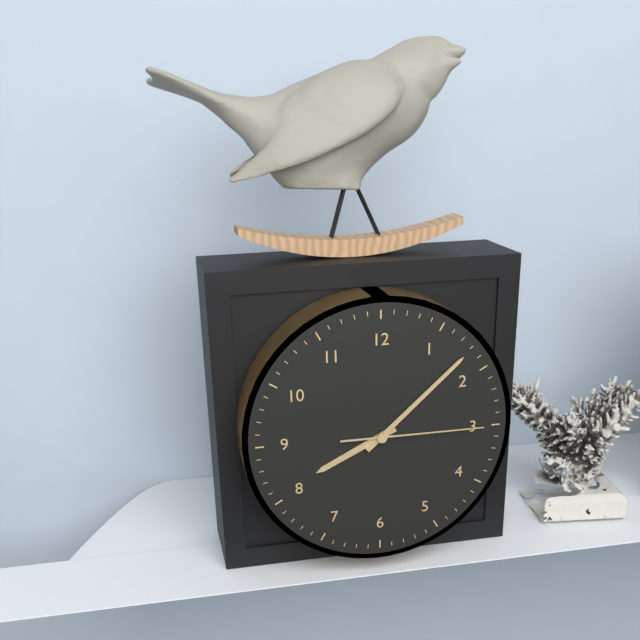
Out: h=8 m=8 s=15
